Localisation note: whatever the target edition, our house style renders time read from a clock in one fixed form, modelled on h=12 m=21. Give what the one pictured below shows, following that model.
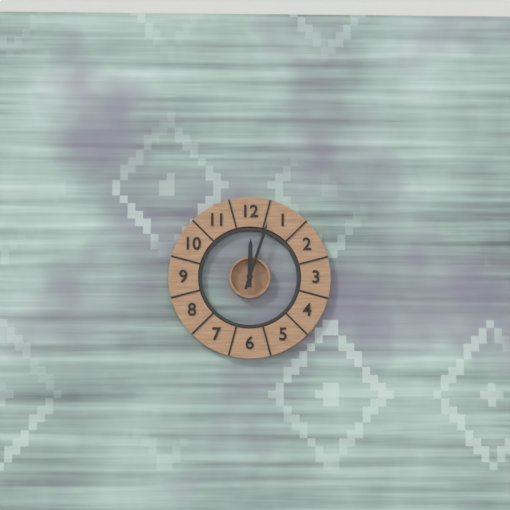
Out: h=12 m=3
